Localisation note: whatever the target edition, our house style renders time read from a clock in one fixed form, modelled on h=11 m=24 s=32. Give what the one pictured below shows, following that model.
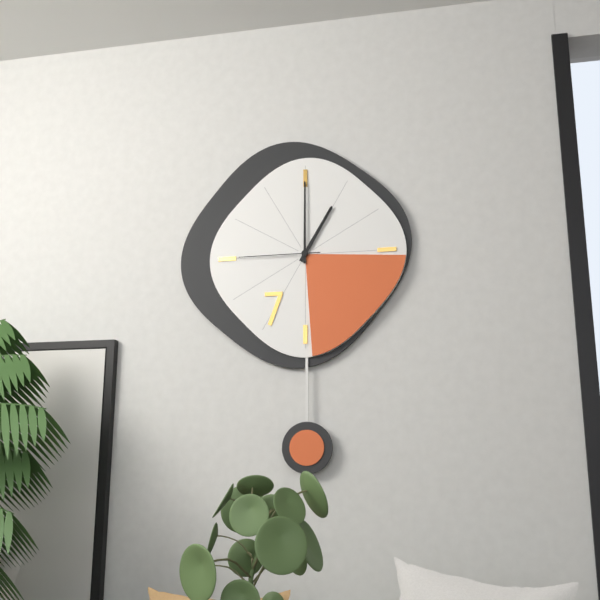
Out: h=1 m=0 s=45
